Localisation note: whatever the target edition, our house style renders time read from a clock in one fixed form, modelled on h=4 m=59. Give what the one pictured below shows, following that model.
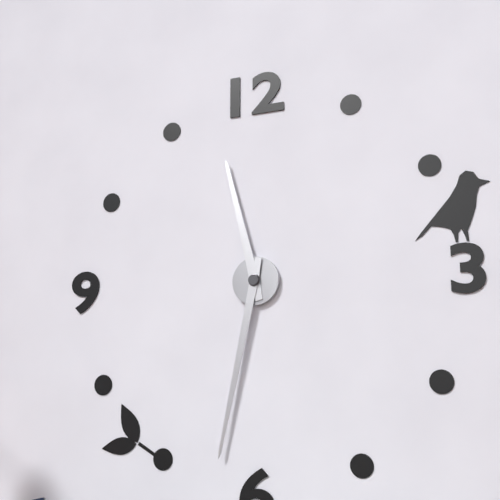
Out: h=11 m=32
